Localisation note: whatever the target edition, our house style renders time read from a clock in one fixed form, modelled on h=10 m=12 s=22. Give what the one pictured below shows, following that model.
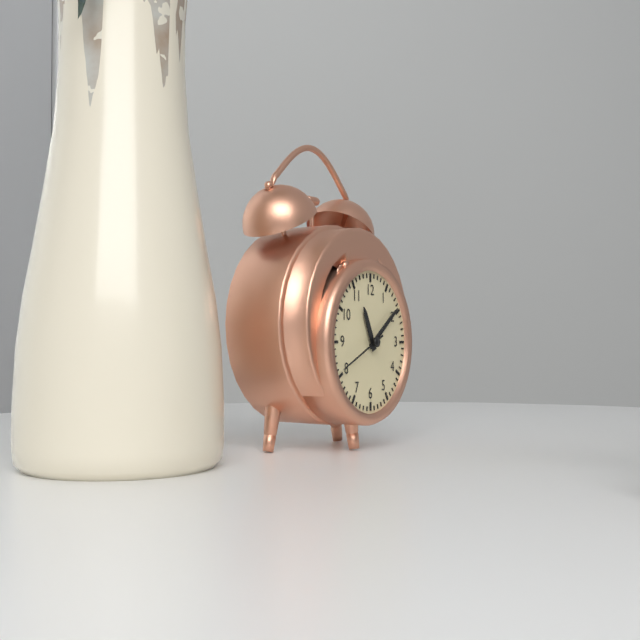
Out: h=11 m=9 s=41
